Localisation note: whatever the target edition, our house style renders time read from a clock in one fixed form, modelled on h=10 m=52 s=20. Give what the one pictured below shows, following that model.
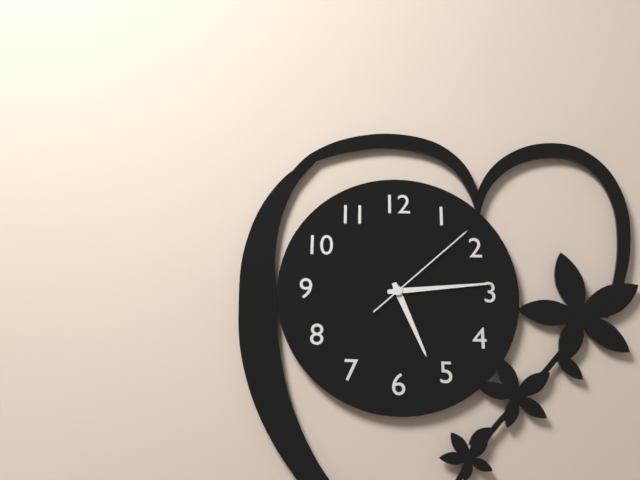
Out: h=5 m=14 s=8
